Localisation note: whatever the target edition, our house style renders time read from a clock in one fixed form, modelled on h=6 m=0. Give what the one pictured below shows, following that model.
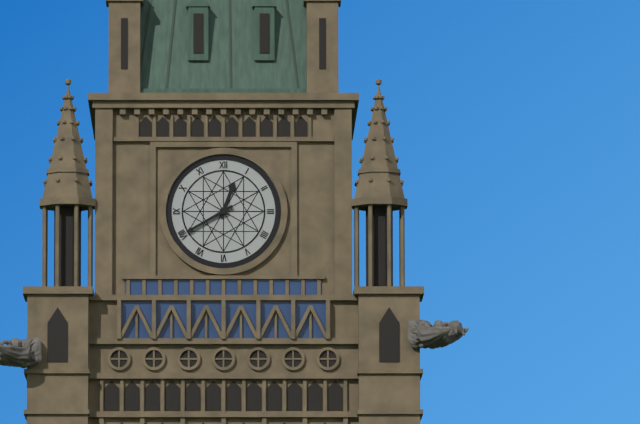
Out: h=12 m=40
